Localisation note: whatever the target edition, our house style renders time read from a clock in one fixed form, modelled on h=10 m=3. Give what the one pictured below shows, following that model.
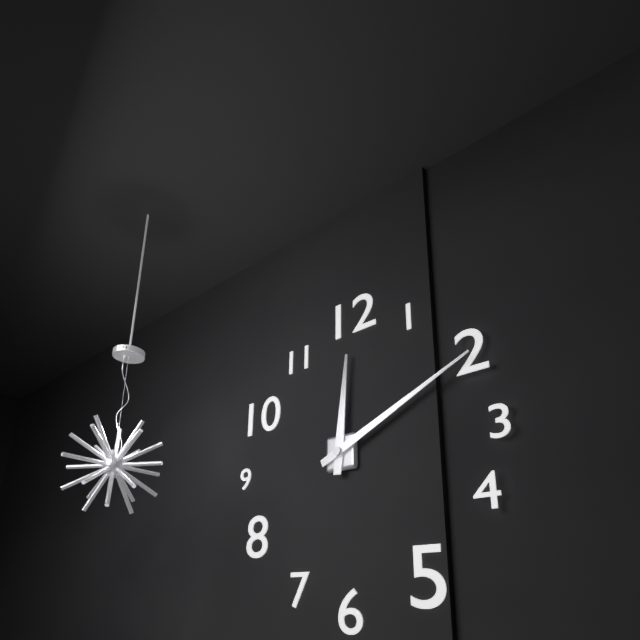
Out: h=12 m=11
